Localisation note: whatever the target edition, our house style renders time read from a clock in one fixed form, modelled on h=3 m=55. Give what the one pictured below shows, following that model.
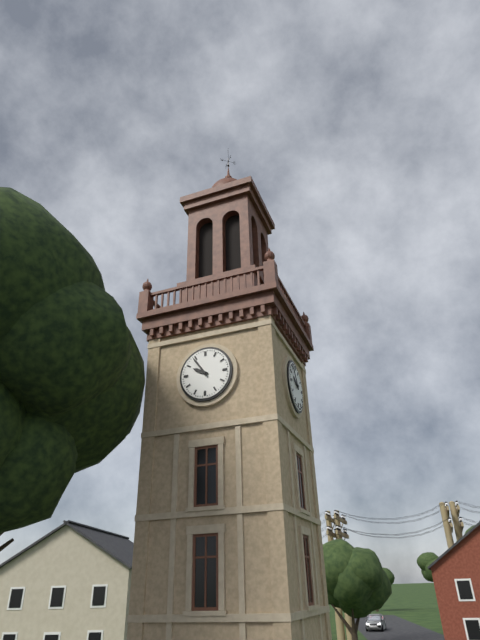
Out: h=9 m=54
